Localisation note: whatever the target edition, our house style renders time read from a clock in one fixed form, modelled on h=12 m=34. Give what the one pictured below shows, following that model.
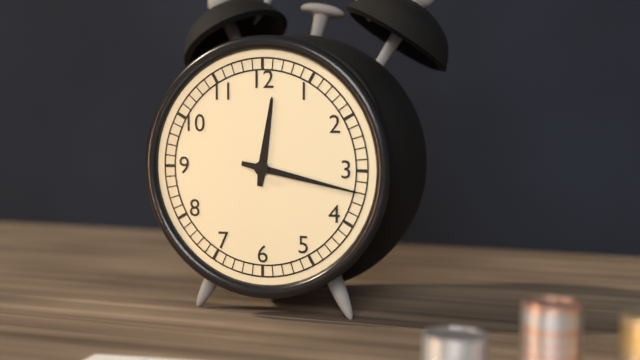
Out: h=12 m=17
